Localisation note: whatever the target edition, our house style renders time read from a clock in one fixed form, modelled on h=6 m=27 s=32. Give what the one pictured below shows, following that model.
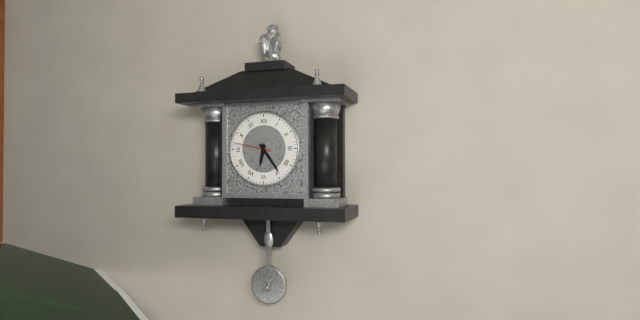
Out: h=6 m=24 s=47
